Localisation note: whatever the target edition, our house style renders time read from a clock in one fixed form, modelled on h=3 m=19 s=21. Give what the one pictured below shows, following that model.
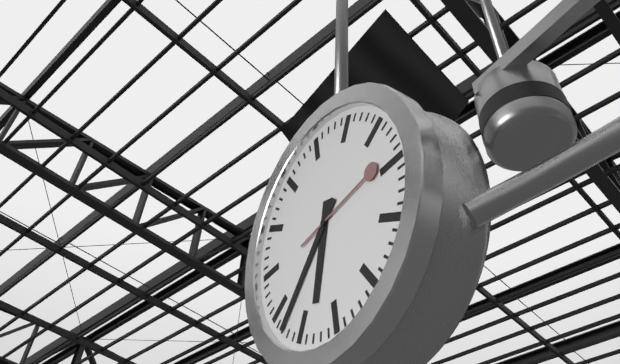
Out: h=6 m=38 s=14
